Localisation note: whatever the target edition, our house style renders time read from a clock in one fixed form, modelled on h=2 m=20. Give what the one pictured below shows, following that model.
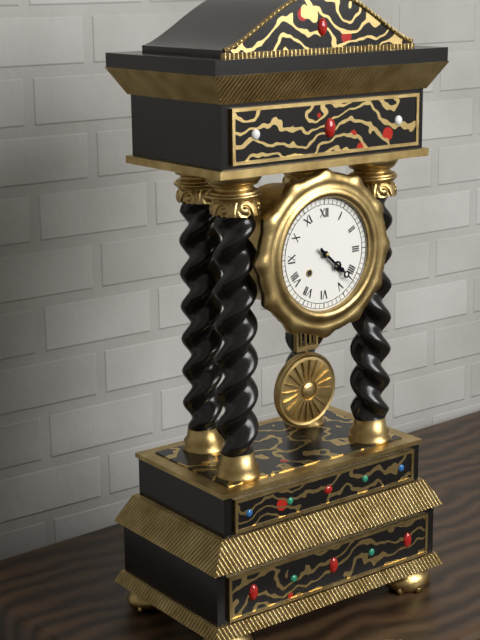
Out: h=4 m=22
